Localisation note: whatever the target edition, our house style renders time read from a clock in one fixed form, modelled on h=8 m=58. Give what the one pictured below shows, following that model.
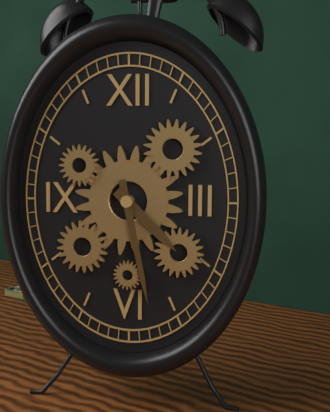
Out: h=4 m=28
